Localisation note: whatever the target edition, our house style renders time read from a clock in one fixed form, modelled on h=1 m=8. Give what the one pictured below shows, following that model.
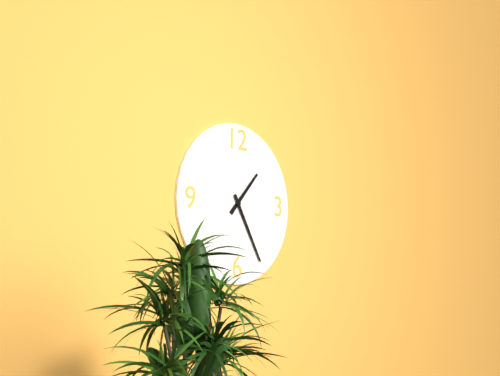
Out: h=1 m=25
